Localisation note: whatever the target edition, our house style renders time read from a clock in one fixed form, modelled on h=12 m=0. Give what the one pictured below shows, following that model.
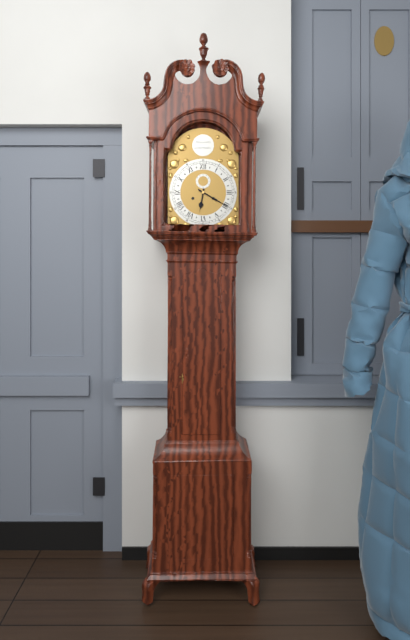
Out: h=6 m=20
